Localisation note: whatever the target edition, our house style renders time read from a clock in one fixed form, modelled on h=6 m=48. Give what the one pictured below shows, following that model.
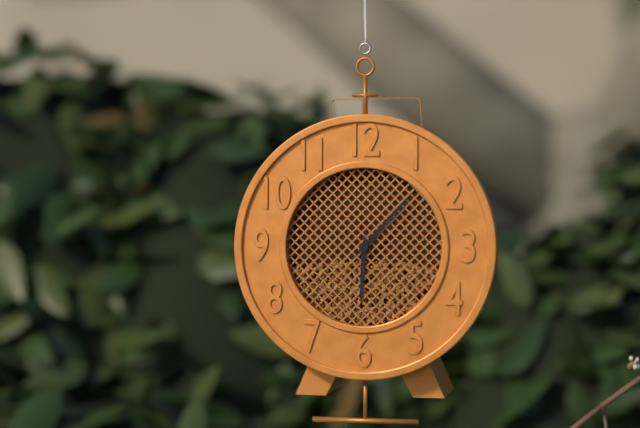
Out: h=6 m=7
